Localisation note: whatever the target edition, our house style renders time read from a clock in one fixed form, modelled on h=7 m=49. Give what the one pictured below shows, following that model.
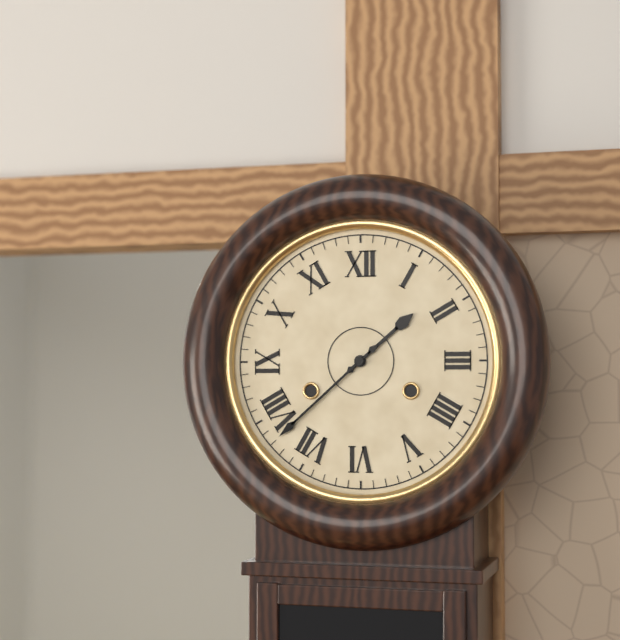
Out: h=1 m=38
